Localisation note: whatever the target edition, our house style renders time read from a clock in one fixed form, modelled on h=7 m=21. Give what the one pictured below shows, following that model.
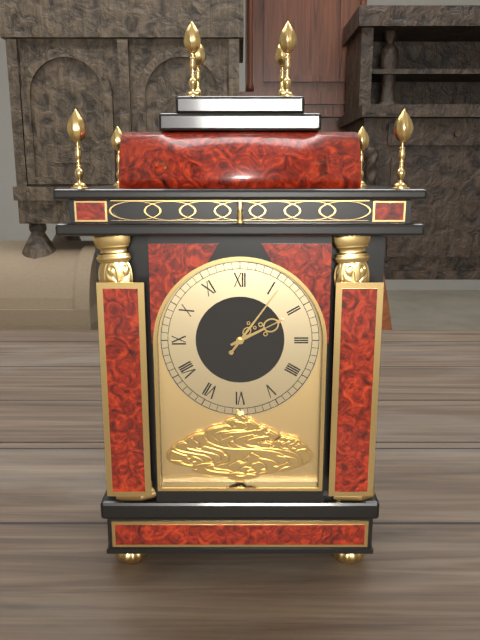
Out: h=2 m=6
